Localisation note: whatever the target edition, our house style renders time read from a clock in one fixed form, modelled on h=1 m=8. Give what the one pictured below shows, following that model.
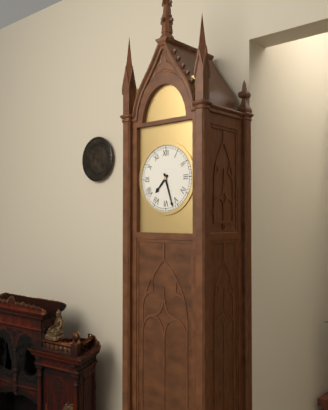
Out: h=7 m=27
